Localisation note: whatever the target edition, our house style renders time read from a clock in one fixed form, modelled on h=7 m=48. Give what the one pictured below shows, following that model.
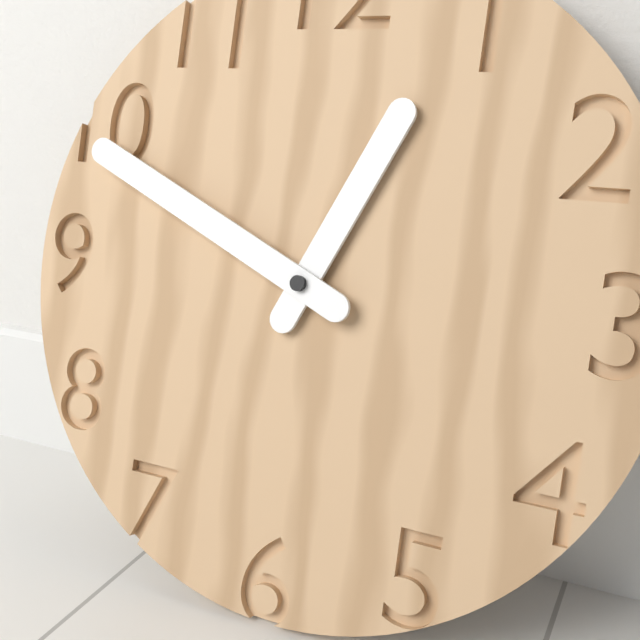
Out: h=12 m=49
